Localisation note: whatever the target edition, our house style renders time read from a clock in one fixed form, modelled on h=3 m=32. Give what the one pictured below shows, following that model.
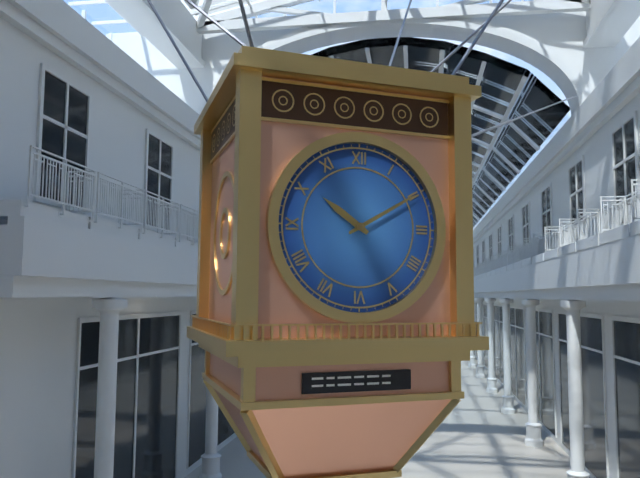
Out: h=10 m=10
